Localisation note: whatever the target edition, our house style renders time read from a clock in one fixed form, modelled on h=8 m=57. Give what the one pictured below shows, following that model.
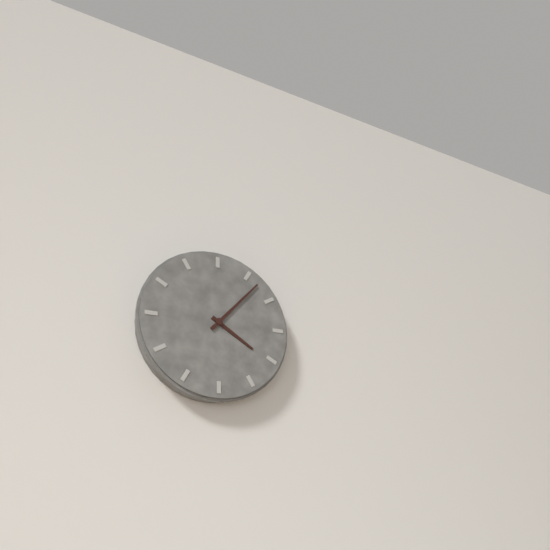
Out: h=4 m=7
